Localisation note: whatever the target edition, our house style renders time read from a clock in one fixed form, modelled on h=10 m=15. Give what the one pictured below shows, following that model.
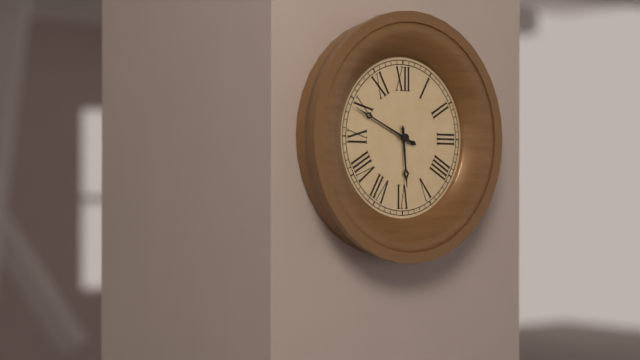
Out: h=5 m=49
